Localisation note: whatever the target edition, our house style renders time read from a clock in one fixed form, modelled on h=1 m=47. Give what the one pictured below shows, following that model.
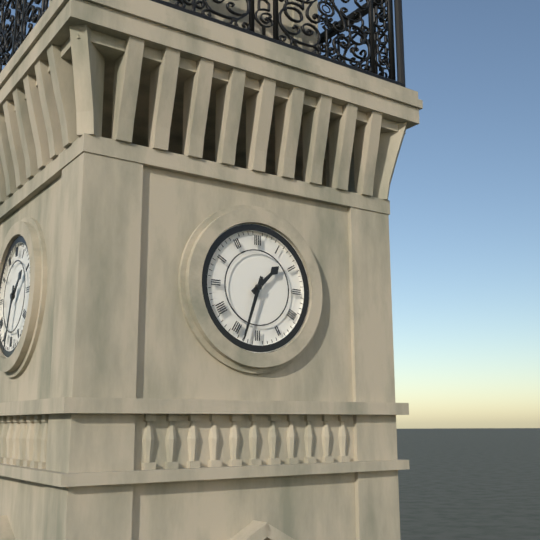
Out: h=1 m=33
